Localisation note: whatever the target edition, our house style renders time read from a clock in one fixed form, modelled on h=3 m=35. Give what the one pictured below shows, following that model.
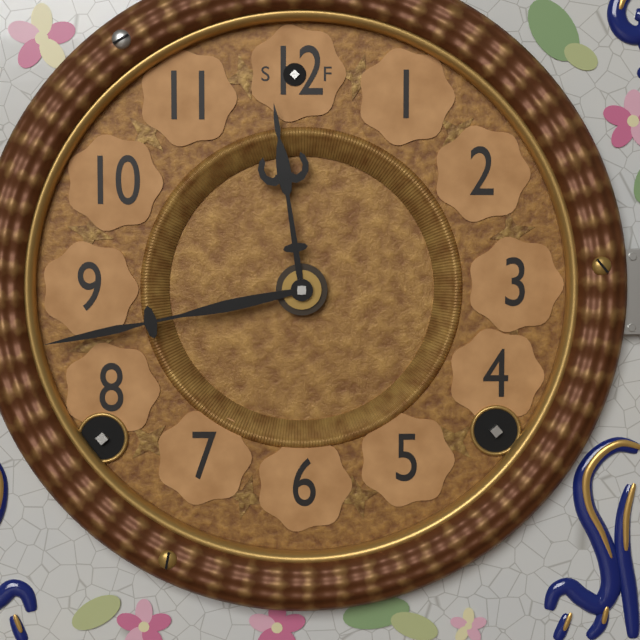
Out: h=11 m=43
